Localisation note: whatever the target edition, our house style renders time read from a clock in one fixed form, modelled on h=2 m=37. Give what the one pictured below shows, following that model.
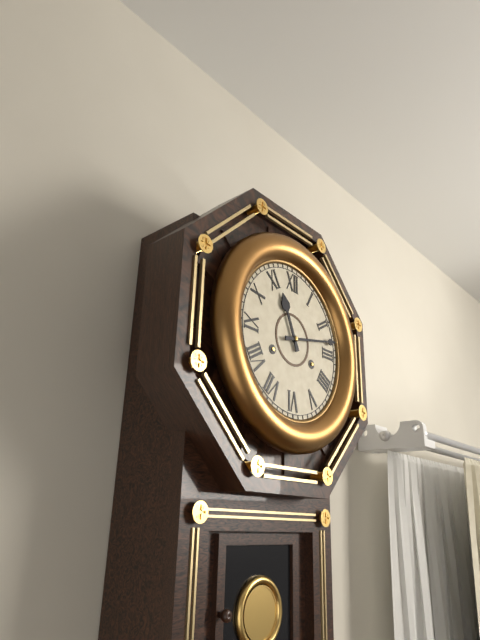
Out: h=11 m=13
